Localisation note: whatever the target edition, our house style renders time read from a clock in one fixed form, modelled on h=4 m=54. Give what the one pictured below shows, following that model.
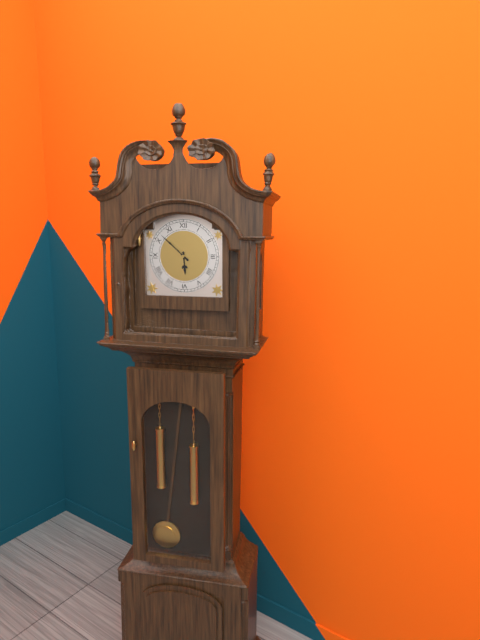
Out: h=5 m=52
